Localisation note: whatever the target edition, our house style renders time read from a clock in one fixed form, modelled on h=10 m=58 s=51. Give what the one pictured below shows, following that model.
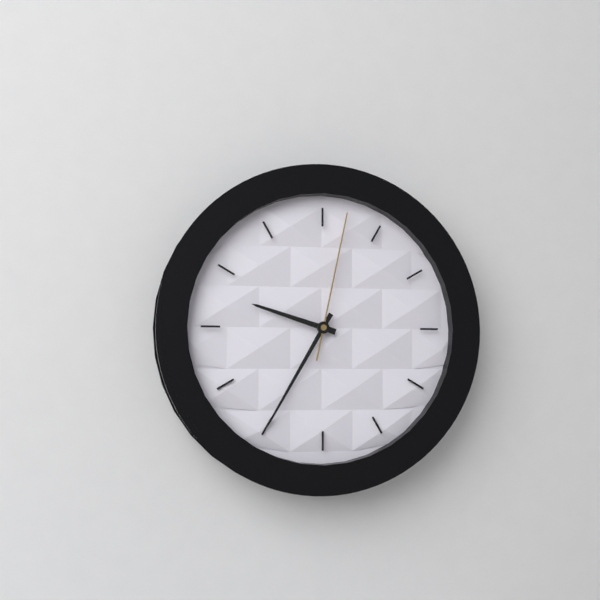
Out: h=9 m=35 s=2
